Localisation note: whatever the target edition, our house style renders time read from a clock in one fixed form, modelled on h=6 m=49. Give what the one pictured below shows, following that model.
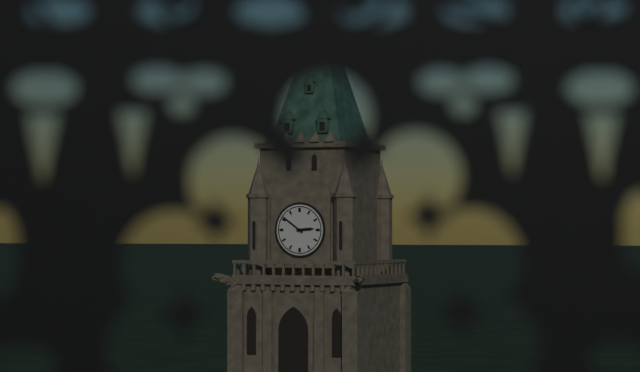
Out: h=2 m=51
